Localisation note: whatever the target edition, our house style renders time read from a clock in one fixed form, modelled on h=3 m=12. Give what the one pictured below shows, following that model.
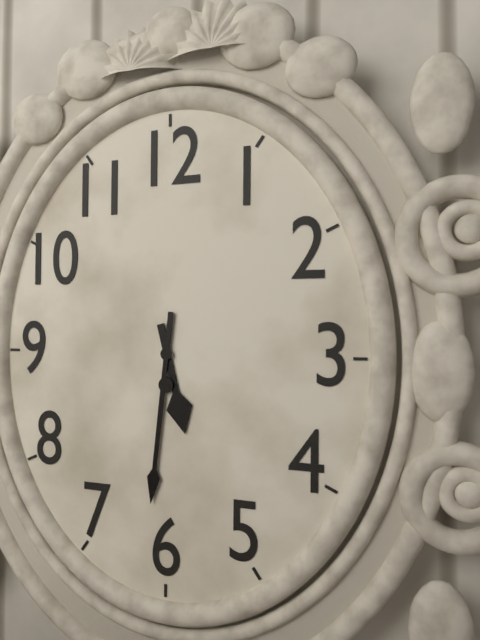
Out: h=5 m=31
